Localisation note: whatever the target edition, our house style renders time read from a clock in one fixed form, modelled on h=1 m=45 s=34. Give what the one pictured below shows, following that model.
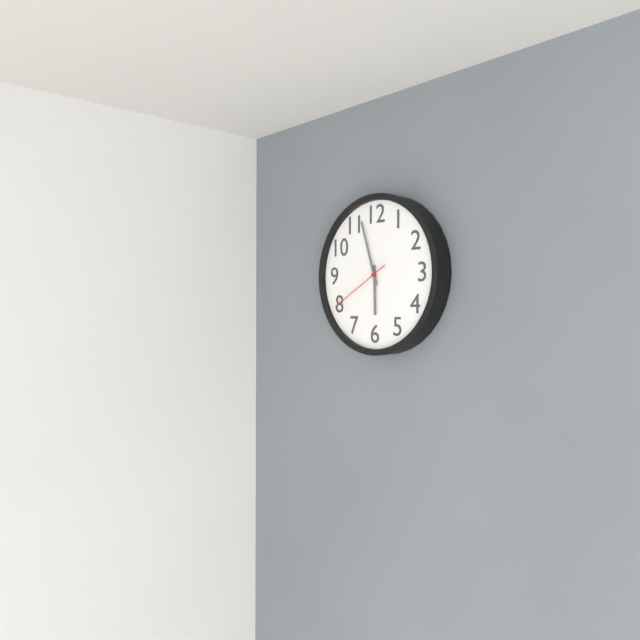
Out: h=5 m=57 s=40
